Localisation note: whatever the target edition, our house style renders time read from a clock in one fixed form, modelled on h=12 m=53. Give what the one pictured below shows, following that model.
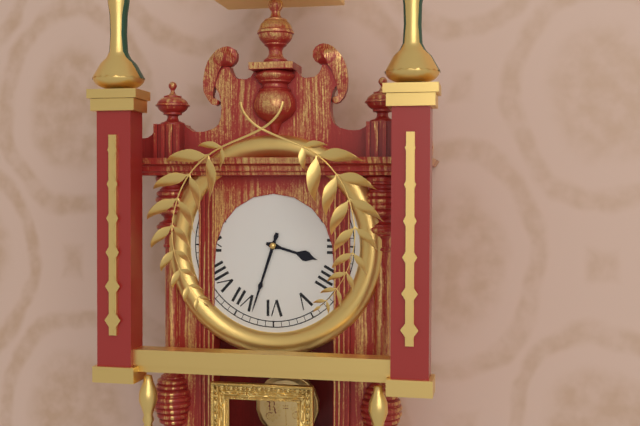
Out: h=3 m=33
